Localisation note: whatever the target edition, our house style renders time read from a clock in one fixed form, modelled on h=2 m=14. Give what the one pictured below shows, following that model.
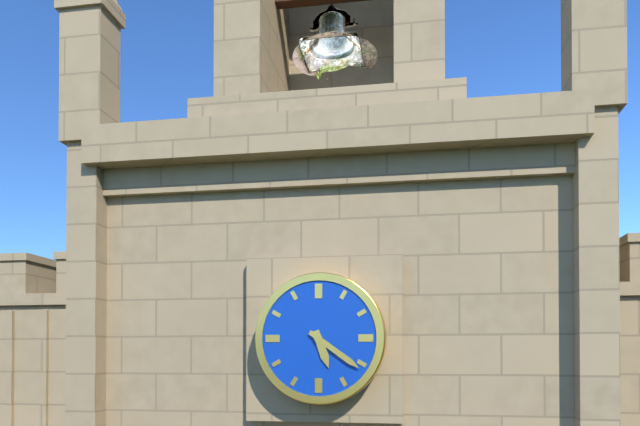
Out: h=5 m=21
